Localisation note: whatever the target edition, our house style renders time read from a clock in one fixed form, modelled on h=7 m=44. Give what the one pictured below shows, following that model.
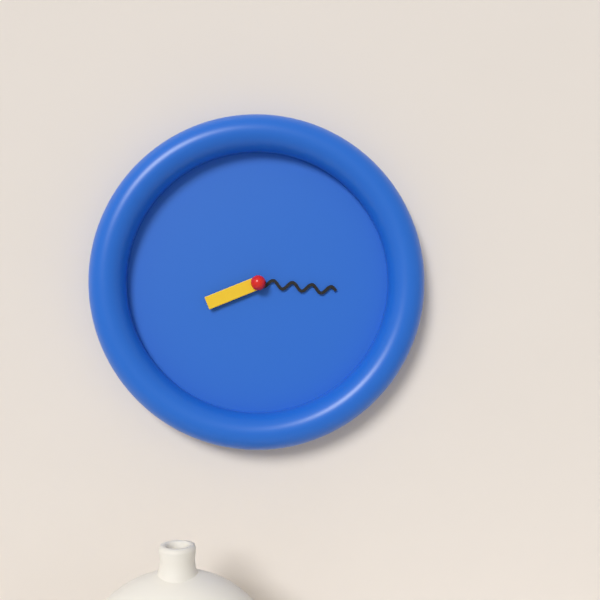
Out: h=8 m=16
